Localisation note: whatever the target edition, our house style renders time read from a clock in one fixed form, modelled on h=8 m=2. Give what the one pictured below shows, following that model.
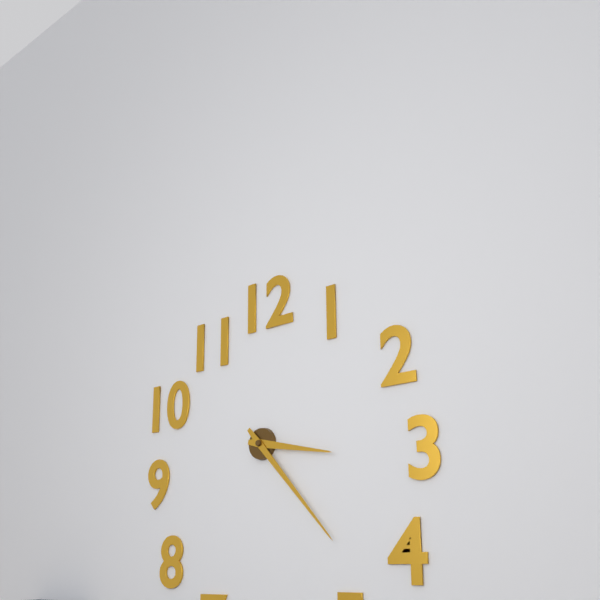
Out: h=3 m=23
